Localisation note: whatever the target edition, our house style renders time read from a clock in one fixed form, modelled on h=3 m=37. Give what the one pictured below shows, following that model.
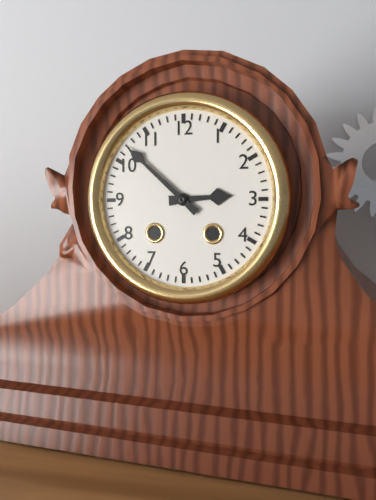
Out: h=2 m=52
